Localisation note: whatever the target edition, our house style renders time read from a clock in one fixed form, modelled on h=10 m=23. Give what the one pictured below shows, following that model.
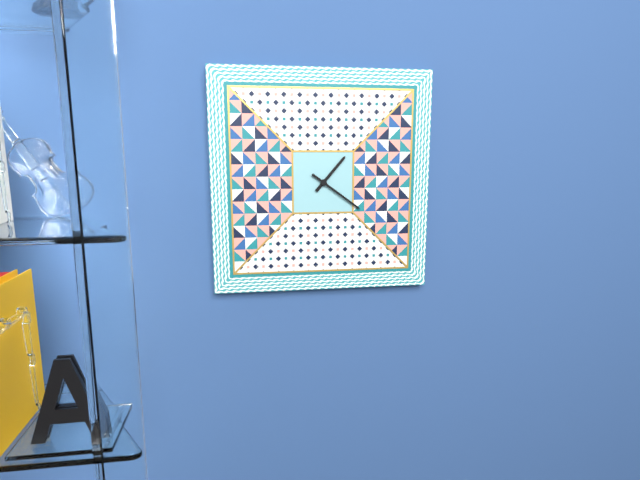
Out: h=1 m=21
